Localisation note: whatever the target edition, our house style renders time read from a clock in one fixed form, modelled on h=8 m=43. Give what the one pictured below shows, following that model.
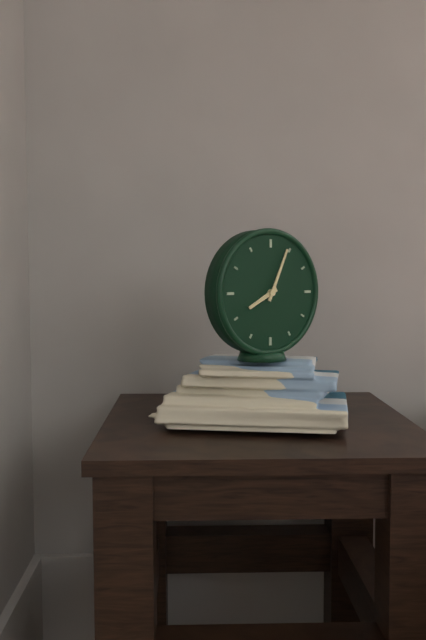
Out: h=8 m=4
